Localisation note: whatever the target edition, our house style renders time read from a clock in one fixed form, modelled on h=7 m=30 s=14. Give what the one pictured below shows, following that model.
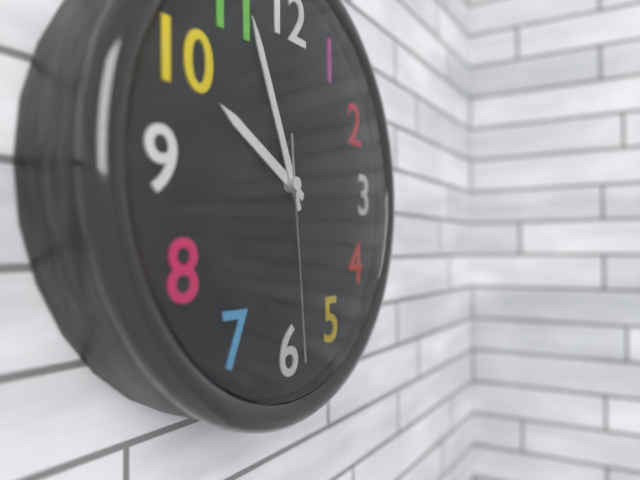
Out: h=9 m=56 s=29
